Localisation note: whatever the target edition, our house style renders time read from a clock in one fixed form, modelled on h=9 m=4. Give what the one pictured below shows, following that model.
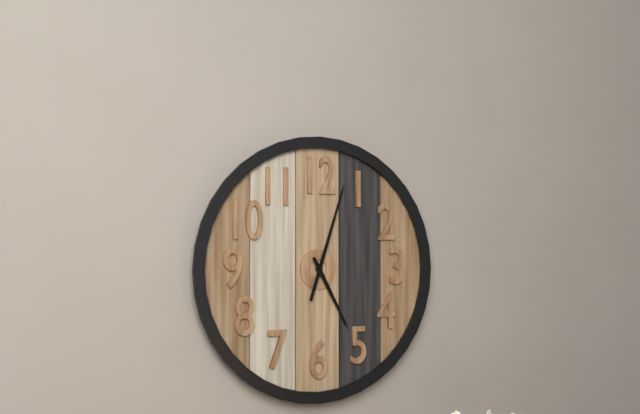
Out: h=5 m=3
